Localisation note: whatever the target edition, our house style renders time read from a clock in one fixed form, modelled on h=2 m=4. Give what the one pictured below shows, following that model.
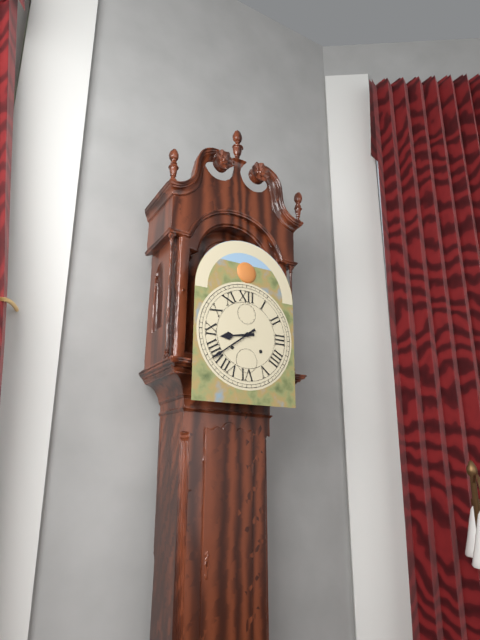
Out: h=8 m=39
